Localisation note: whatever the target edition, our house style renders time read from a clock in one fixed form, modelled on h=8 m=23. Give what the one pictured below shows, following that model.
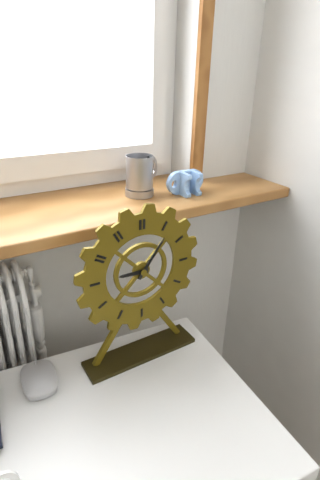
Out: h=9 m=6
